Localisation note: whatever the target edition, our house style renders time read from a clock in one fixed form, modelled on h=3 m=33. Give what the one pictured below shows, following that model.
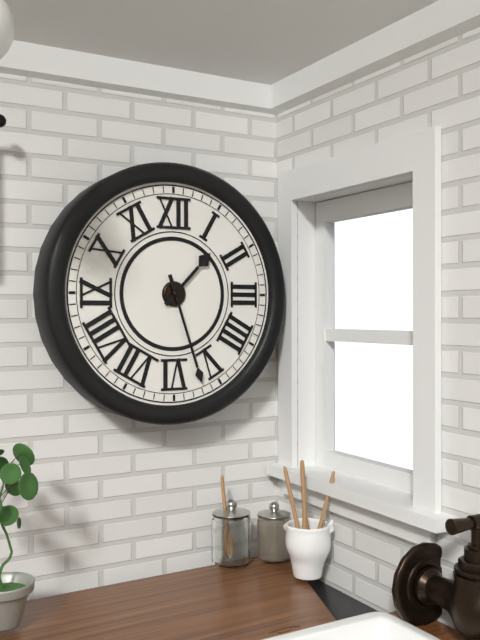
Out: h=1 m=27
